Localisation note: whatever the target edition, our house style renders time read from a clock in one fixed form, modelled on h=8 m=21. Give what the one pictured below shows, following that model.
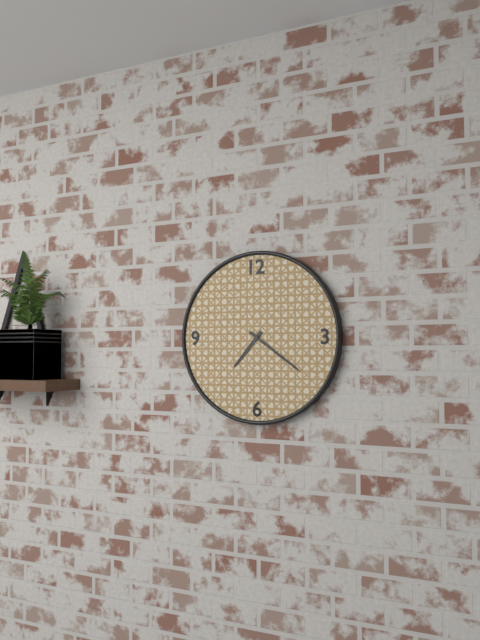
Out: h=7 m=21
